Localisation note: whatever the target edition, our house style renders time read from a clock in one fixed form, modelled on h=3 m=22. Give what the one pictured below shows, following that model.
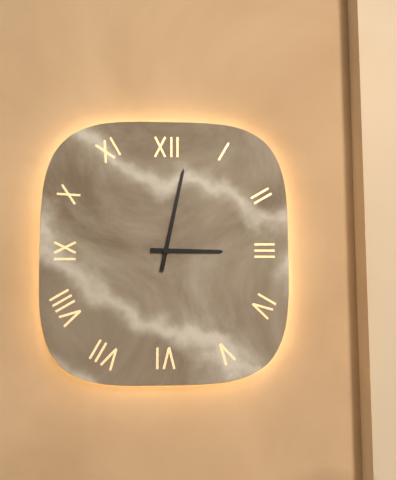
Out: h=3 m=2
